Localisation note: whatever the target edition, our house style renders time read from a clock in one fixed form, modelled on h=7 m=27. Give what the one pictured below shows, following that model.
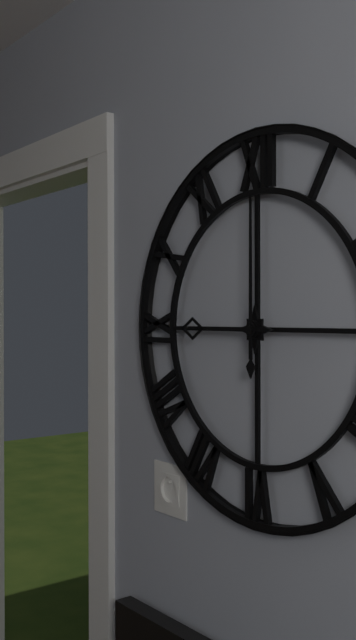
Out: h=9 m=0
